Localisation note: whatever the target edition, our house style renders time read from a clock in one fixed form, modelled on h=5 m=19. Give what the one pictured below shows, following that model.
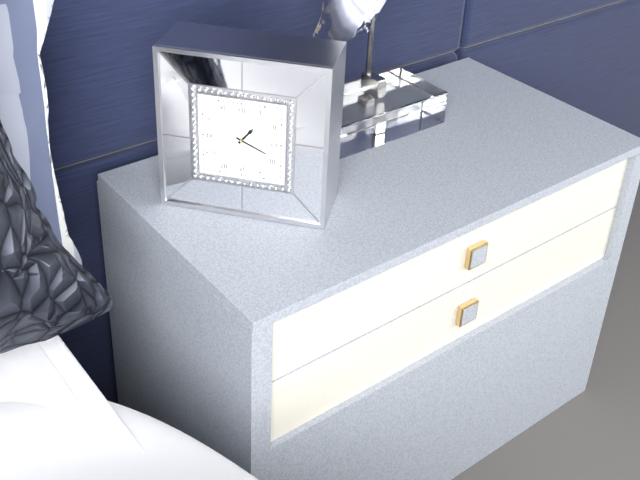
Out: h=1 m=19
